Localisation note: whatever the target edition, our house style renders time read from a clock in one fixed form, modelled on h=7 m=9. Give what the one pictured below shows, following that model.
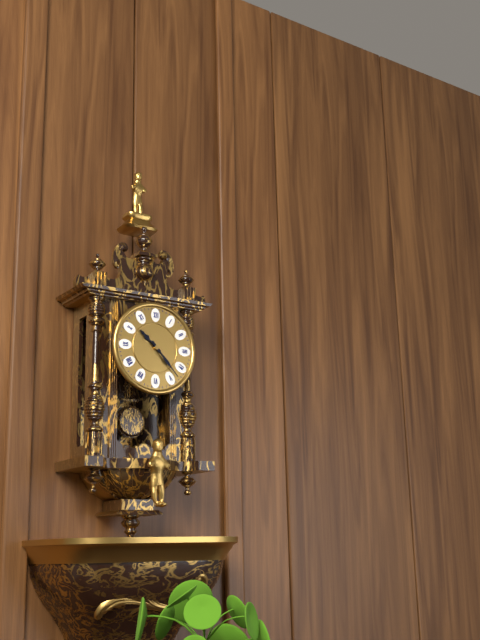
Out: h=10 m=23
